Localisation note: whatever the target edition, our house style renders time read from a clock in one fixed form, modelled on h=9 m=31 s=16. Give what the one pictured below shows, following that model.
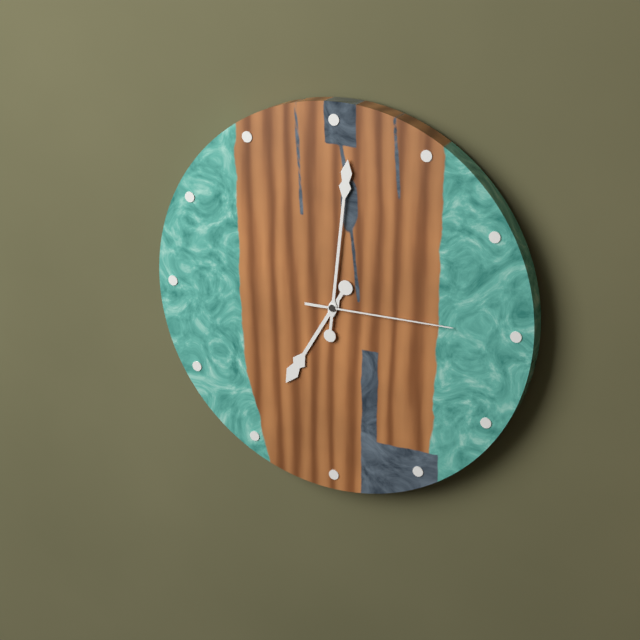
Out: h=7 m=1 s=15
